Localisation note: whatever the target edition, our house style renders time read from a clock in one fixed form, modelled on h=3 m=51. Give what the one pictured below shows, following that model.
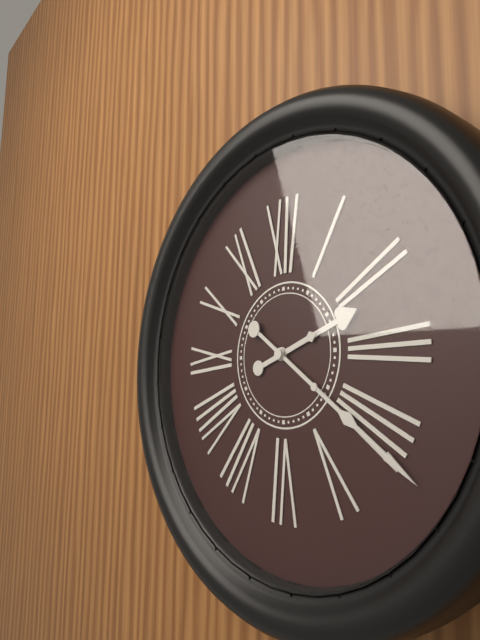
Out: h=2 m=21
